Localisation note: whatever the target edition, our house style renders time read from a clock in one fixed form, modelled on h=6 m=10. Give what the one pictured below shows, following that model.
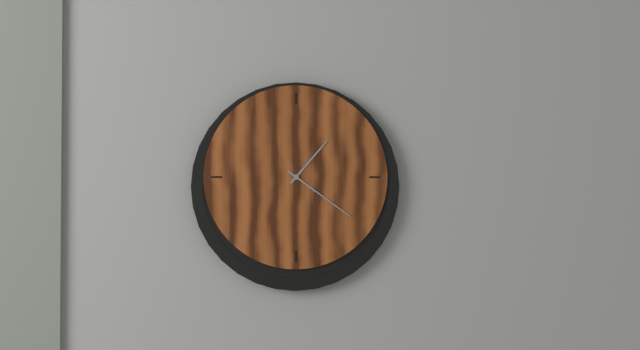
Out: h=1 m=21
